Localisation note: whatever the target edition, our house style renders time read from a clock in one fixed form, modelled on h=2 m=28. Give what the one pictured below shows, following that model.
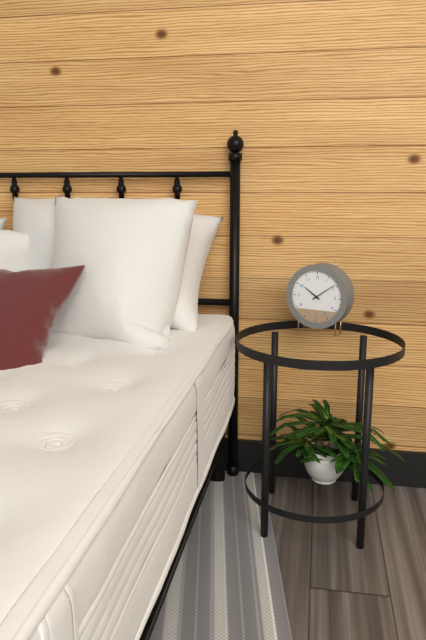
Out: h=10 m=9
